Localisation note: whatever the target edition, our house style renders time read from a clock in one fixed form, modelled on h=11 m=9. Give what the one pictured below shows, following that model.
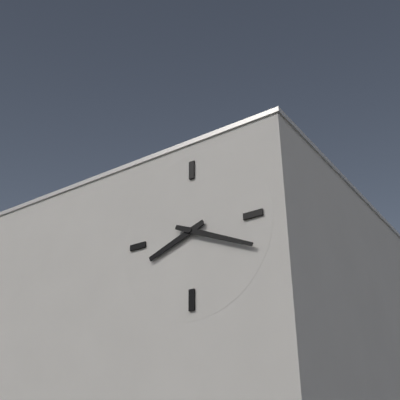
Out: h=8 m=19
